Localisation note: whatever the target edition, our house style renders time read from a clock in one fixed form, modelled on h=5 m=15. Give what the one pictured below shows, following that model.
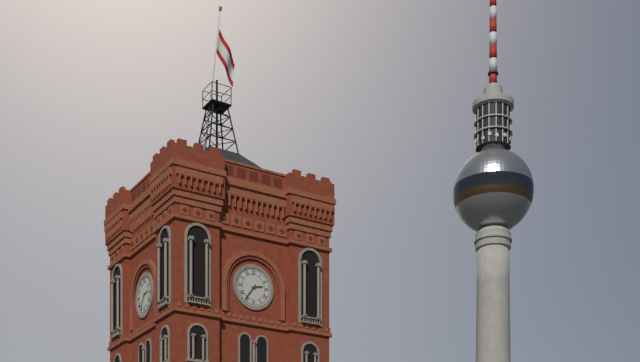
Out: h=2 m=36
